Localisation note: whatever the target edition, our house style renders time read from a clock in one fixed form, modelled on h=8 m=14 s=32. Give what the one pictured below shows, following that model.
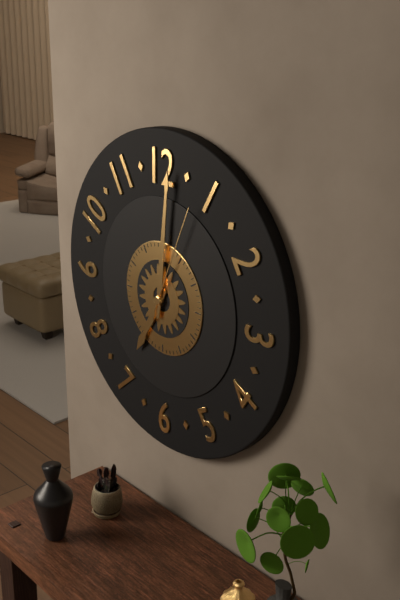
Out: h=7 m=1 s=4
